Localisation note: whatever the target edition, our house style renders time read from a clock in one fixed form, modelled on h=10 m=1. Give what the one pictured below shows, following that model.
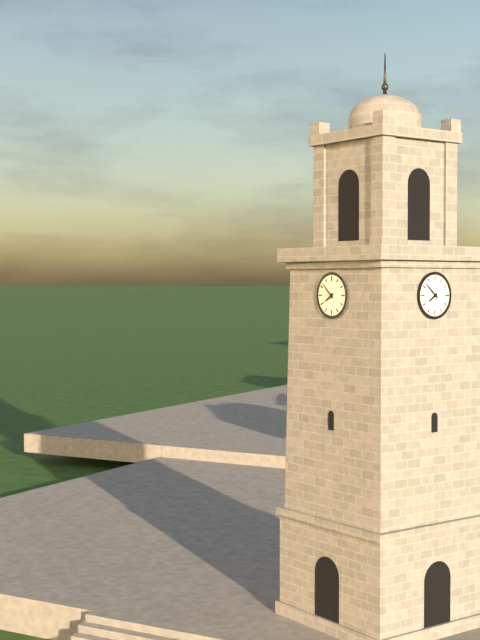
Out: h=7 m=52
